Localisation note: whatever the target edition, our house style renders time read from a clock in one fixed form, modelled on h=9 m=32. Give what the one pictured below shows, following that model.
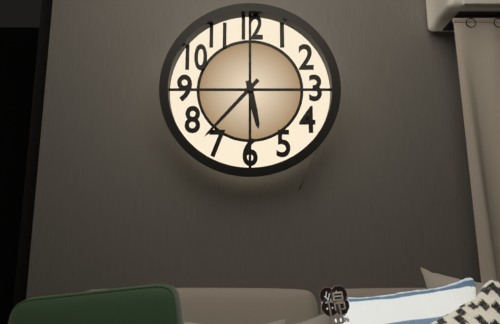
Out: h=5 m=37
